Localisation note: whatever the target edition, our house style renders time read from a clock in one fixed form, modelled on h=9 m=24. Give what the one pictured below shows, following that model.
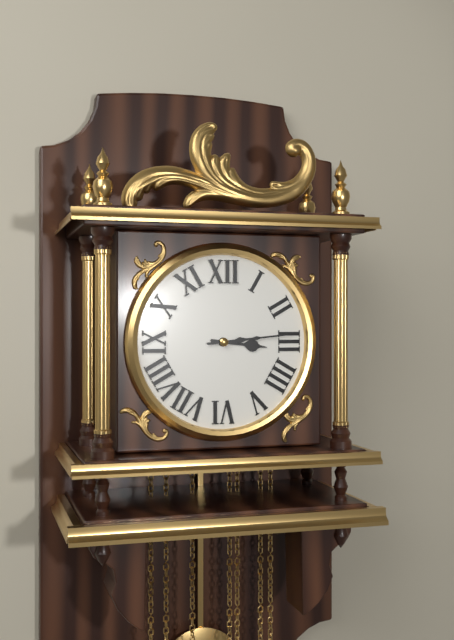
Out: h=3 m=14
